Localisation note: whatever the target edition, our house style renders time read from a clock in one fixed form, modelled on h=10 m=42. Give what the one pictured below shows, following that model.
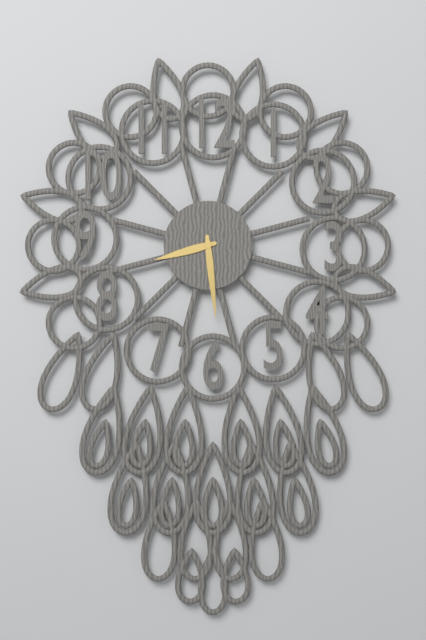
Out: h=8 m=29
